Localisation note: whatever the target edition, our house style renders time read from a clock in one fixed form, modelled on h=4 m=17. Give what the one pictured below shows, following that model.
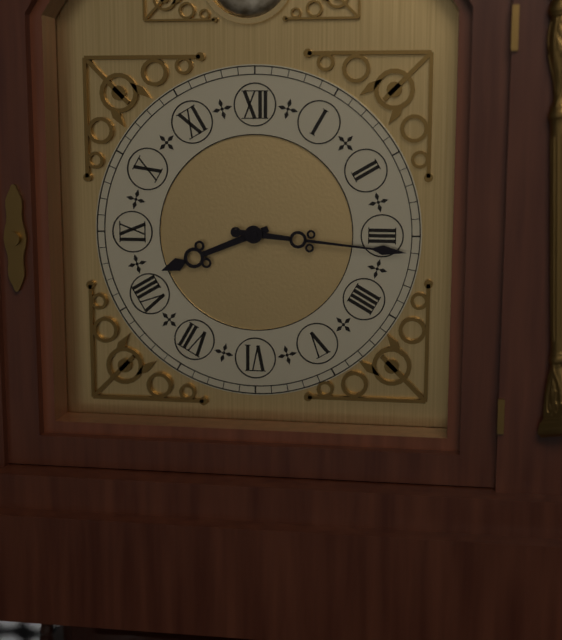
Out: h=8 m=16
